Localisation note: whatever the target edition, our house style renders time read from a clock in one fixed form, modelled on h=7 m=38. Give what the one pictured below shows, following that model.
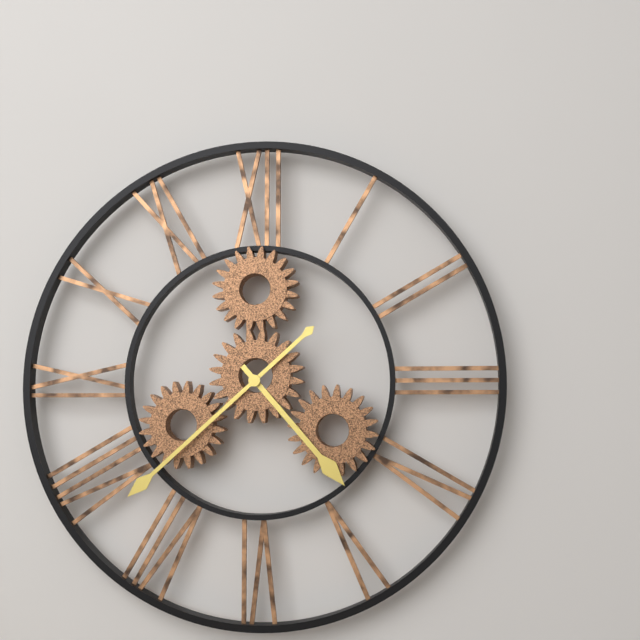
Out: h=4 m=38
